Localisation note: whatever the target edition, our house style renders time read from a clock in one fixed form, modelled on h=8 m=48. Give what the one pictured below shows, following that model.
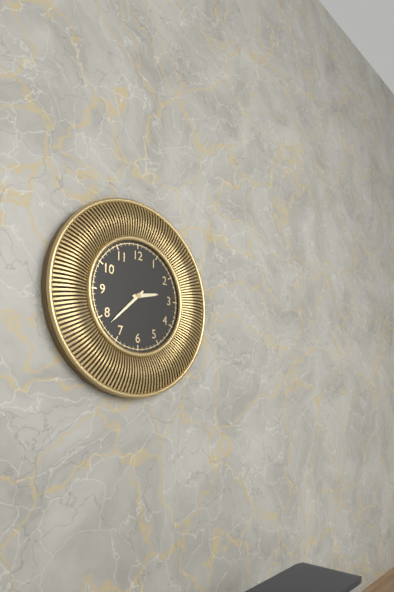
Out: h=2 m=38
